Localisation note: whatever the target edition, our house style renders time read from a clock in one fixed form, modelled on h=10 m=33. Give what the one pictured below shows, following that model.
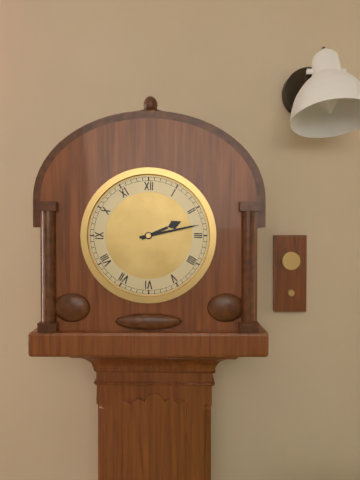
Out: h=2 m=13
